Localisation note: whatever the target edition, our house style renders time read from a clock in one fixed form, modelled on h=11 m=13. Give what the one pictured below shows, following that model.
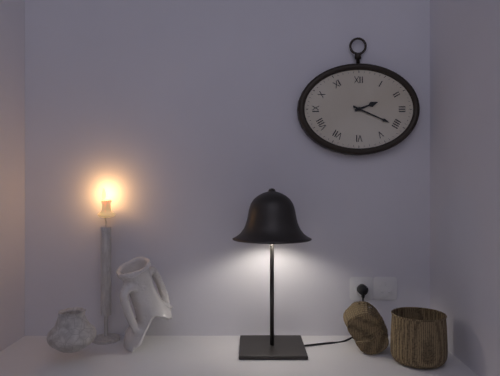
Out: h=2 m=19
